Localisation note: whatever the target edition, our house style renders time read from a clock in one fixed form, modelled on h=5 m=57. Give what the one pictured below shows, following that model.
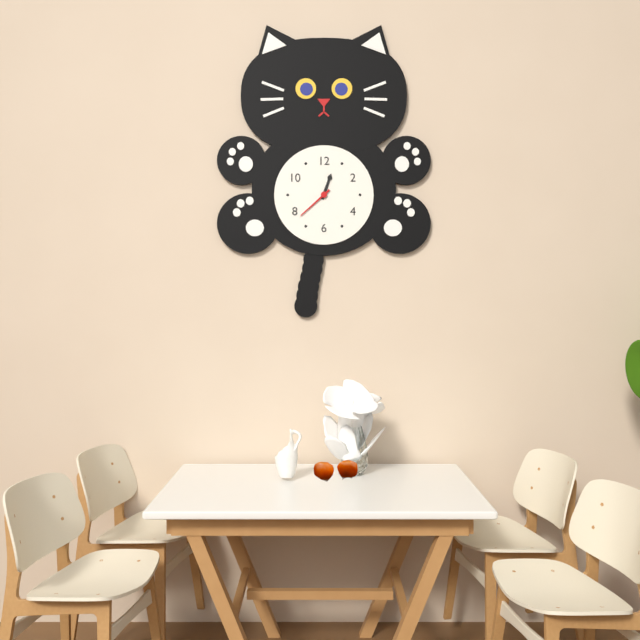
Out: h=12 m=38
